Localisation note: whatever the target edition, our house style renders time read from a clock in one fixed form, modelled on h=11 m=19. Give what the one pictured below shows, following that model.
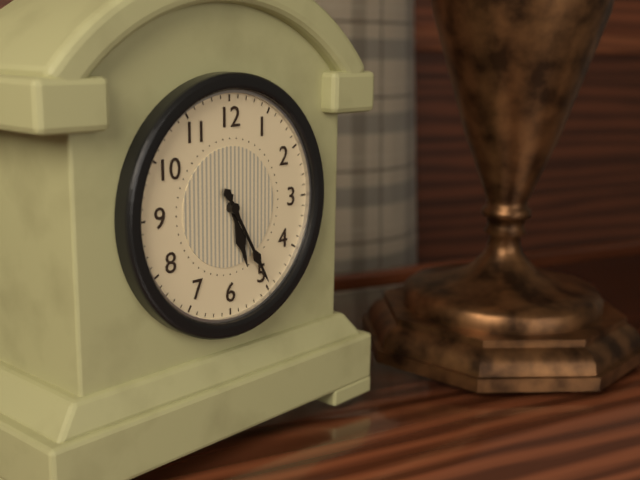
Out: h=5 m=25
